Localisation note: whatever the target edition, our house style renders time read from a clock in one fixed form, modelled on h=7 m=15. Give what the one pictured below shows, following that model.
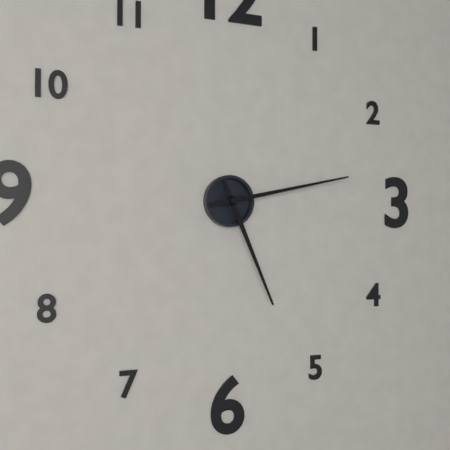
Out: h=5 m=13
